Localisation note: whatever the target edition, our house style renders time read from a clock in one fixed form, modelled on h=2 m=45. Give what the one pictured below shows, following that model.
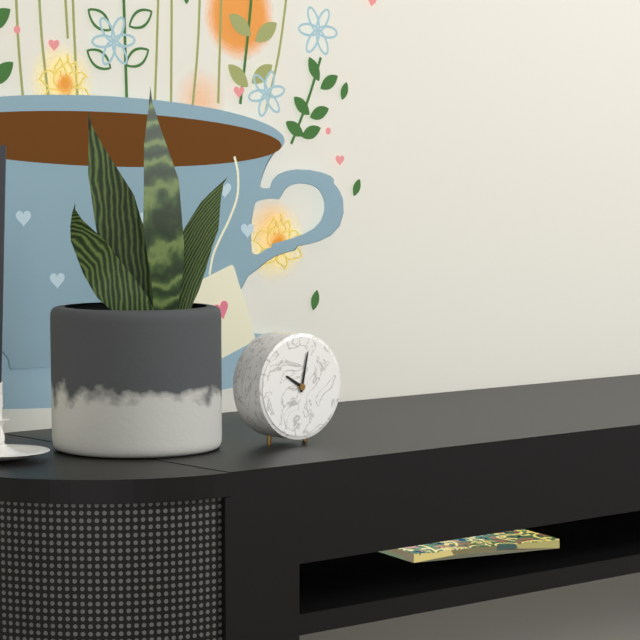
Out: h=10 m=2
